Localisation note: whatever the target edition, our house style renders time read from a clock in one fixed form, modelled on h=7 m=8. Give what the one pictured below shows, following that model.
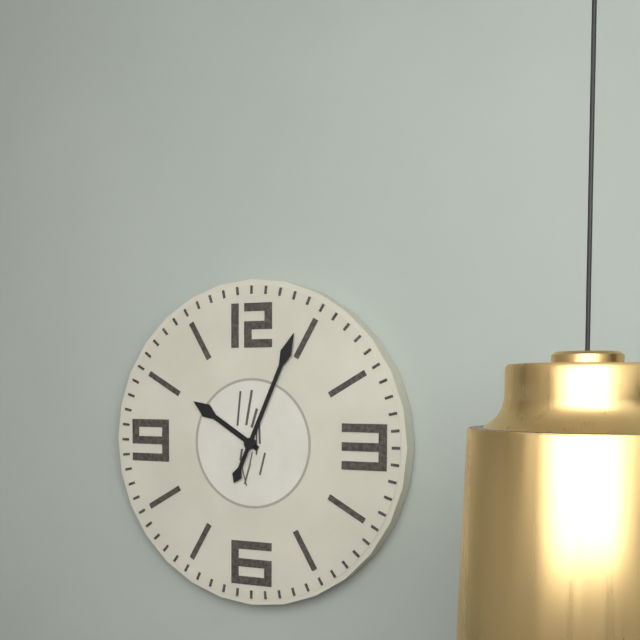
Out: h=10 m=4
